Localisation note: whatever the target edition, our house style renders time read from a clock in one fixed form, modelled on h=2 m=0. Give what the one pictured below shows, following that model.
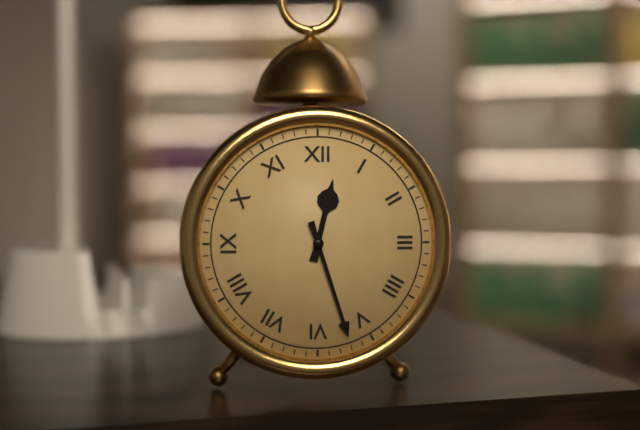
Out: h=12 m=27
